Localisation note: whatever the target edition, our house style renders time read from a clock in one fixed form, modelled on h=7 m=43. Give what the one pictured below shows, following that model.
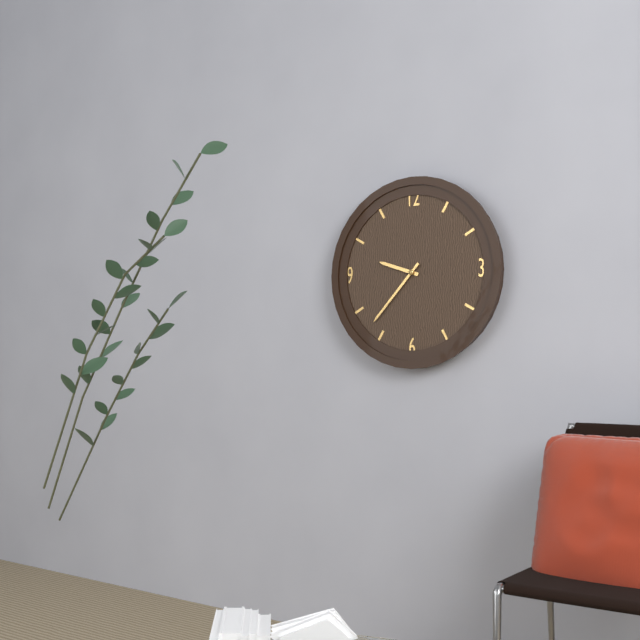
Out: h=9 m=37
